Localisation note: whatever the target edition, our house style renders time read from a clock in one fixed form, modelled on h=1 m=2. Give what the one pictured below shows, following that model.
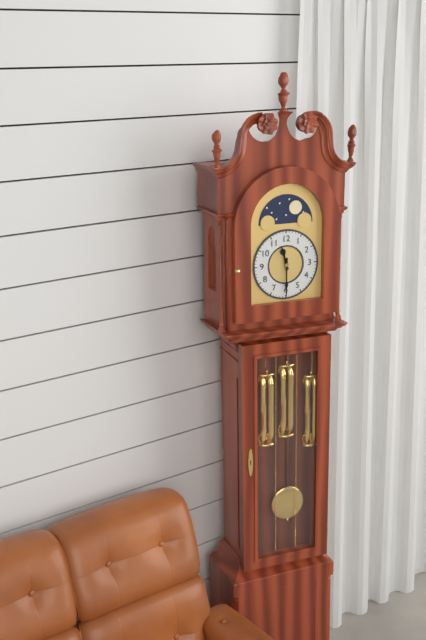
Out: h=11 m=30
